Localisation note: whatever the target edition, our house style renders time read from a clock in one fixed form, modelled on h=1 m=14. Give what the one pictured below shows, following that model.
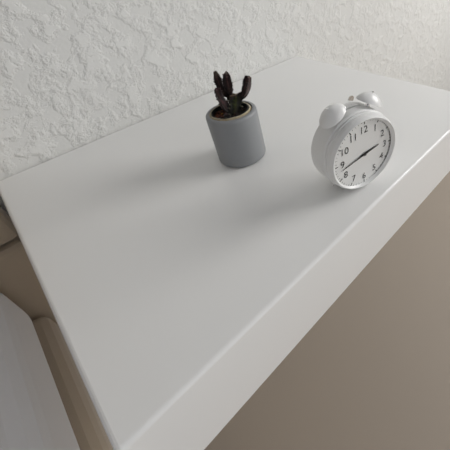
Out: h=2 m=43
